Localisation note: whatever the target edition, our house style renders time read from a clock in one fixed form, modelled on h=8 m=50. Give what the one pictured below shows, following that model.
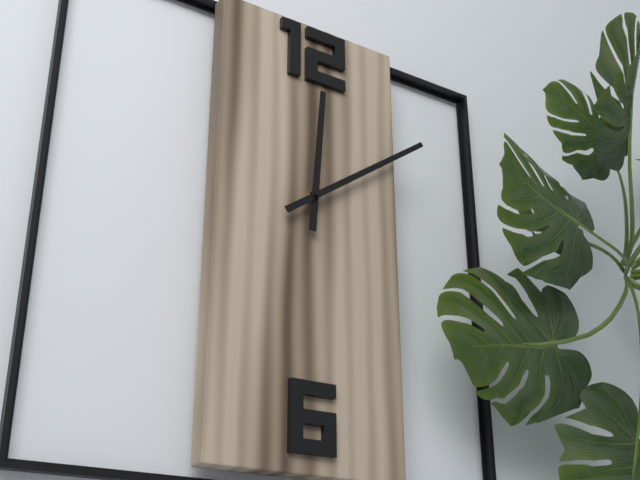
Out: h=12 m=9
